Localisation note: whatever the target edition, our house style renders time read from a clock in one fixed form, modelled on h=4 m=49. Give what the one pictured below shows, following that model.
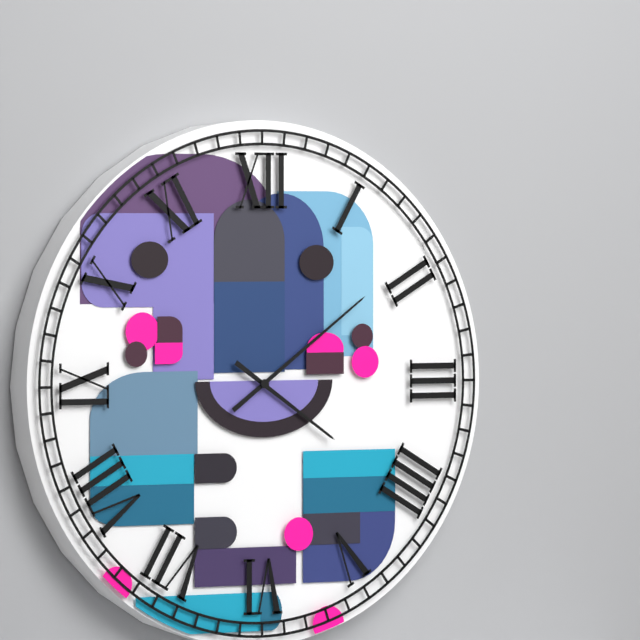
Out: h=4 m=9
